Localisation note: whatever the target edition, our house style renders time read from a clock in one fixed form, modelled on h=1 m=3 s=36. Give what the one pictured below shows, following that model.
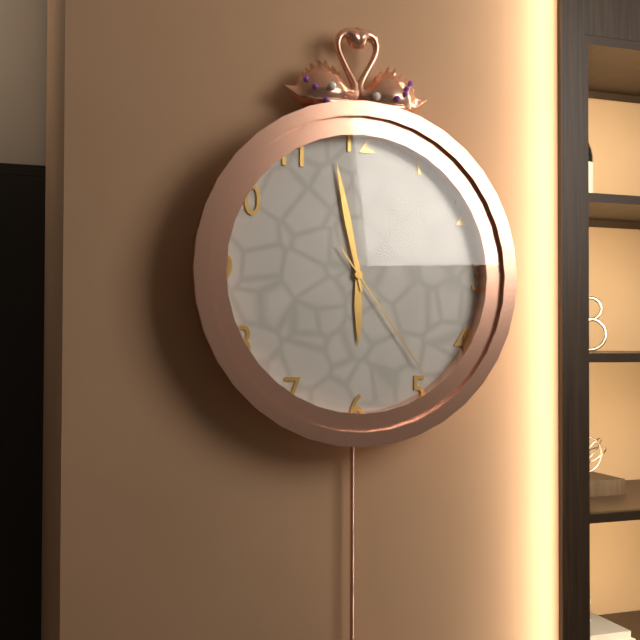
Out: h=5 m=58 s=24
